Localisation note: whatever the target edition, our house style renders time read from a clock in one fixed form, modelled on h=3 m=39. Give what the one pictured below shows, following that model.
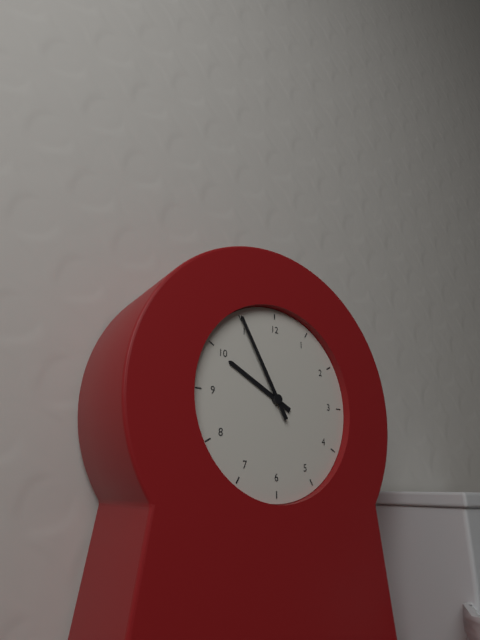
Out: h=9 m=55
